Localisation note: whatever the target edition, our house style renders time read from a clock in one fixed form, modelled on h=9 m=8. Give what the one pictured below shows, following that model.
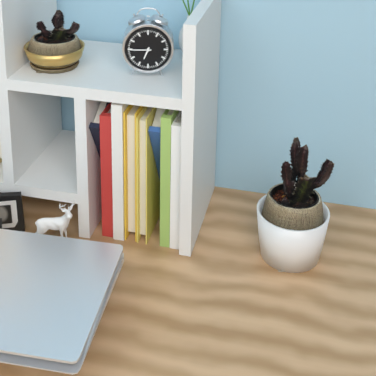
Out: h=6 m=45
